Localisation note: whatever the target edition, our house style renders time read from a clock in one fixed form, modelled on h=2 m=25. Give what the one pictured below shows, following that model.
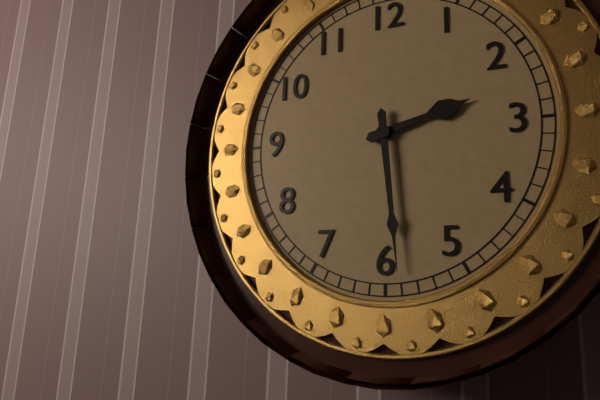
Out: h=2 m=29
